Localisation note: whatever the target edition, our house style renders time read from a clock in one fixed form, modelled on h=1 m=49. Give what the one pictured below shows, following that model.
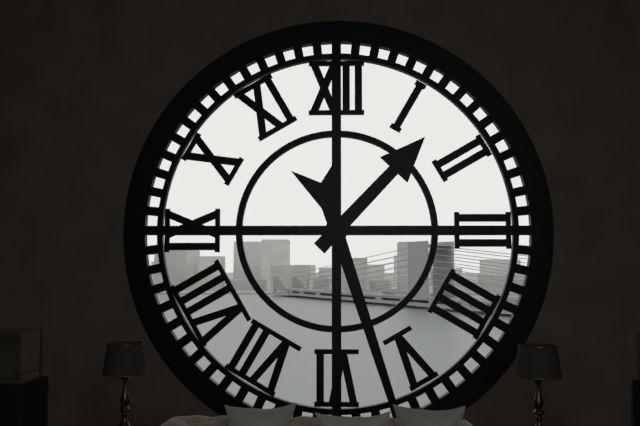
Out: h=1 m=27
